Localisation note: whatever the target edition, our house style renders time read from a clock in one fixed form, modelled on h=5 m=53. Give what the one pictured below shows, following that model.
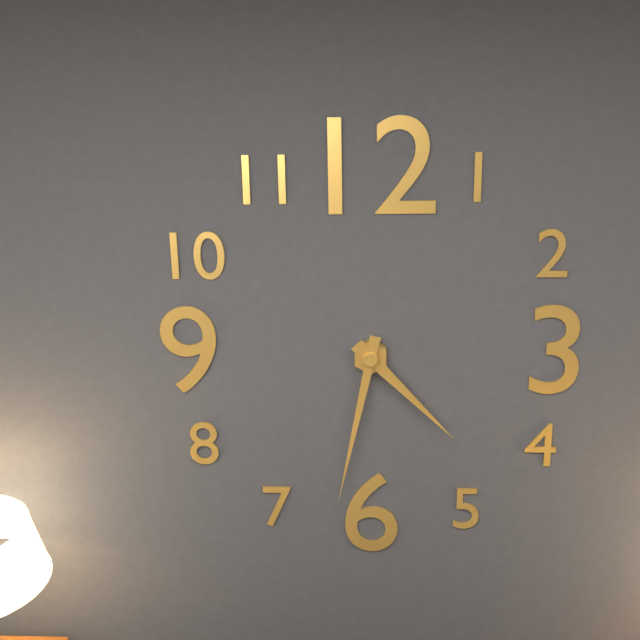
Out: h=4 m=32
